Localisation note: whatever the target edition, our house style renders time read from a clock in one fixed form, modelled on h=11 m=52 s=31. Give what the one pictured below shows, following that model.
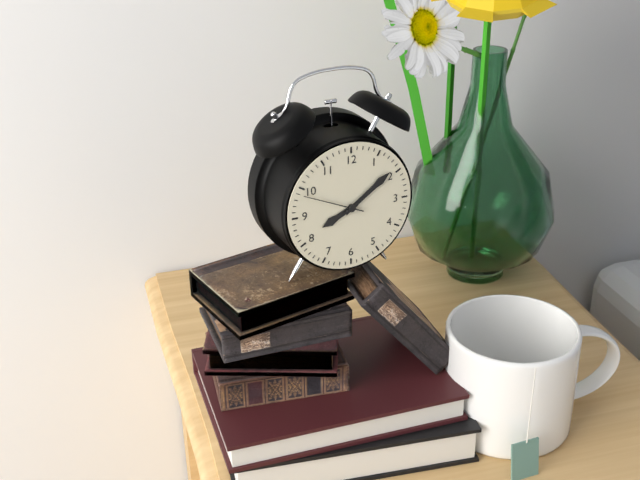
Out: h=8 m=9 s=49
